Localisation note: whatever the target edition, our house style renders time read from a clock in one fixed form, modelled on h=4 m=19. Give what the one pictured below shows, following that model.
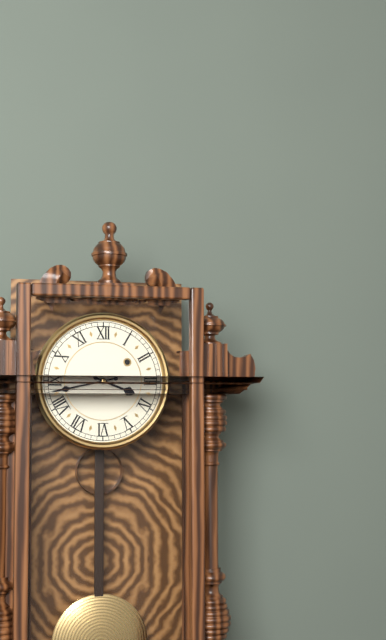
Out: h=3 m=43
